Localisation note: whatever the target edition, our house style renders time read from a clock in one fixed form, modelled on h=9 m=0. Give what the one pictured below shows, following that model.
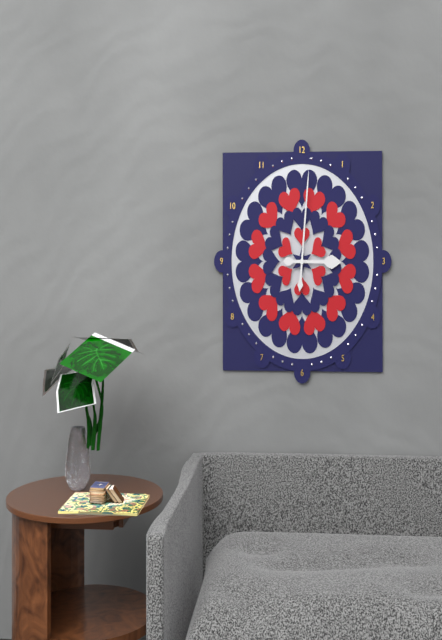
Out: h=3 m=1
